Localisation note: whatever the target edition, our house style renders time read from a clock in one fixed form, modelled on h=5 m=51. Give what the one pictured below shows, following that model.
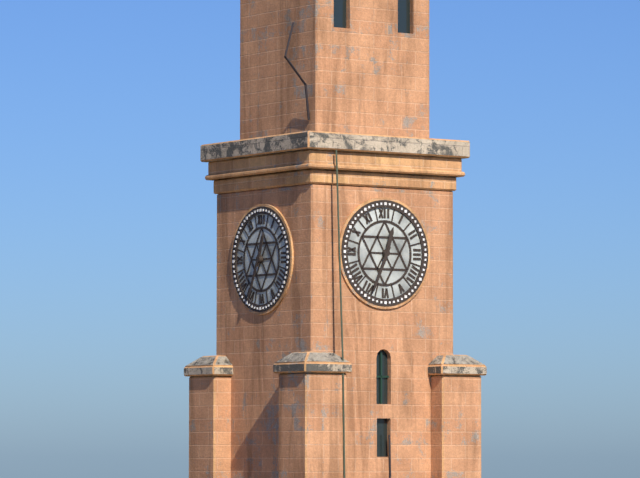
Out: h=12 m=34
